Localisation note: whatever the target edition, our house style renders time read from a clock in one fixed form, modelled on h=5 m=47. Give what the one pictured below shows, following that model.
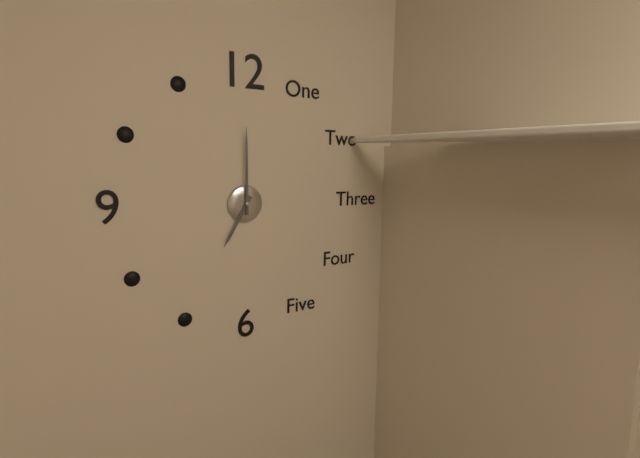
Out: h=7 m=0
